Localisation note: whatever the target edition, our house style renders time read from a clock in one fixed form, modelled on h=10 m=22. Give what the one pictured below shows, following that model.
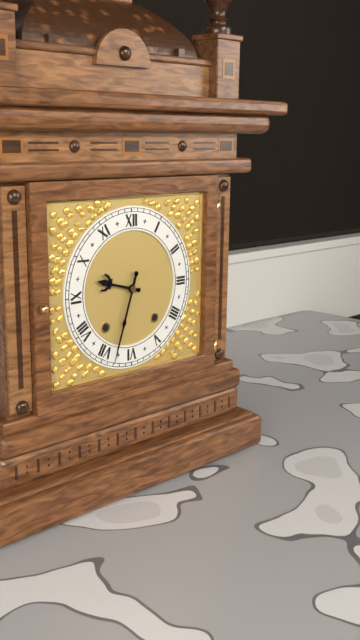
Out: h=9 m=33
